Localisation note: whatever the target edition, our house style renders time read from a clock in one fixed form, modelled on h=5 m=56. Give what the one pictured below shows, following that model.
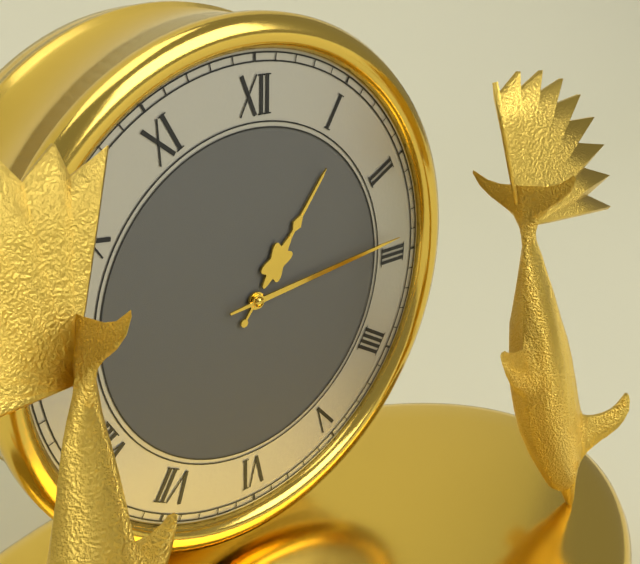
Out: h=1 m=14
